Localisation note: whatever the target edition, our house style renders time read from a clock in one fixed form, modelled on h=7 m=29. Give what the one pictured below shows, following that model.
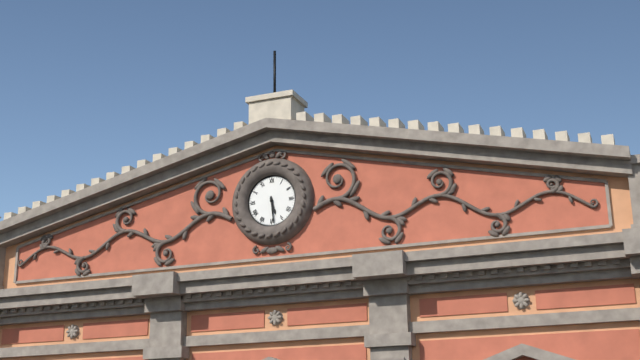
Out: h=5 m=29
